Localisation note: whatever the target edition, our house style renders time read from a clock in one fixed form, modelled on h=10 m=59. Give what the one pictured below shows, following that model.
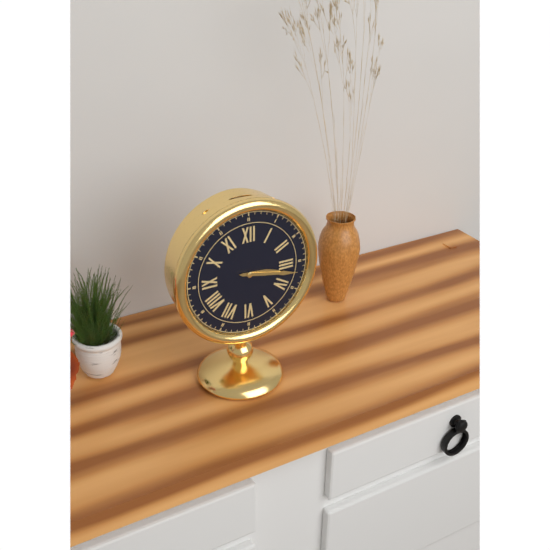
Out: h=3 m=17
